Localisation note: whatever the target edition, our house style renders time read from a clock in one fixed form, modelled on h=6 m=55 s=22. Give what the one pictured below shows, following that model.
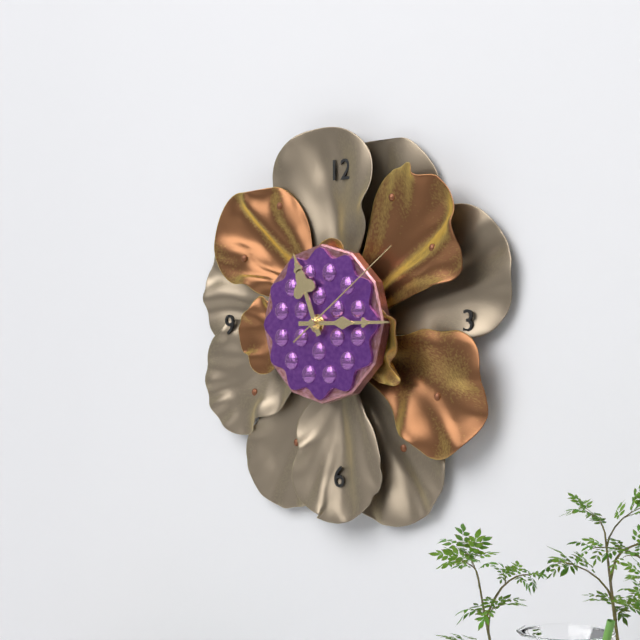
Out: h=11 m=15 s=9
